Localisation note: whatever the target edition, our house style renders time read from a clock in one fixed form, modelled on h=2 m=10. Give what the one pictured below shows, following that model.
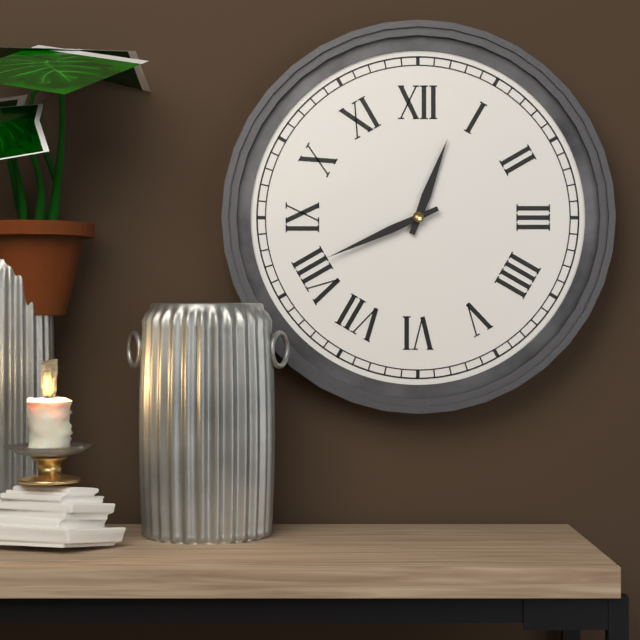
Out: h=12 m=41
